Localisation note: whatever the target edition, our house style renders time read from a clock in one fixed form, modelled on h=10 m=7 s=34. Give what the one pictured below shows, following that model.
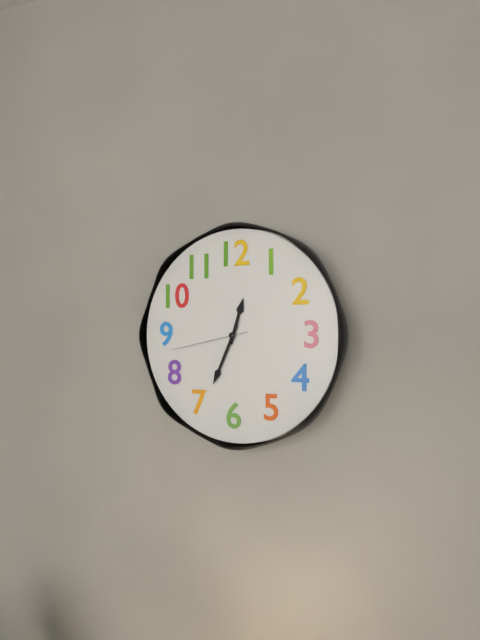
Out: h=12 m=34 s=43
